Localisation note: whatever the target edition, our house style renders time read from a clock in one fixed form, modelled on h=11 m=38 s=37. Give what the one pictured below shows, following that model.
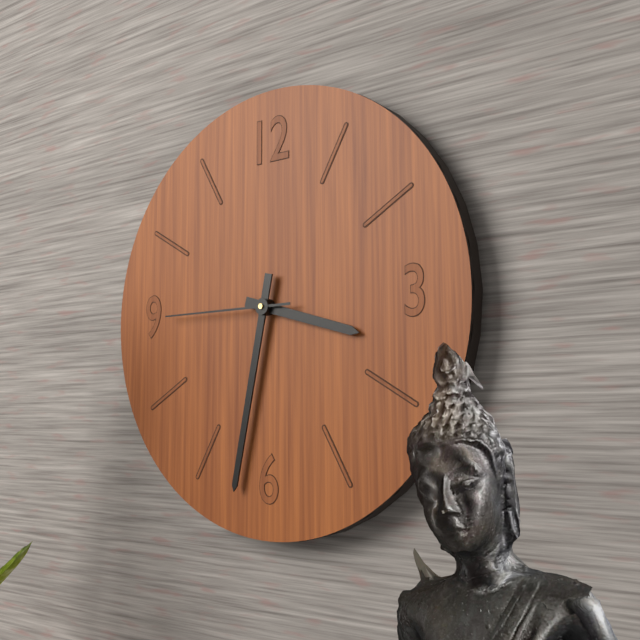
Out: h=3 m=32 s=45
